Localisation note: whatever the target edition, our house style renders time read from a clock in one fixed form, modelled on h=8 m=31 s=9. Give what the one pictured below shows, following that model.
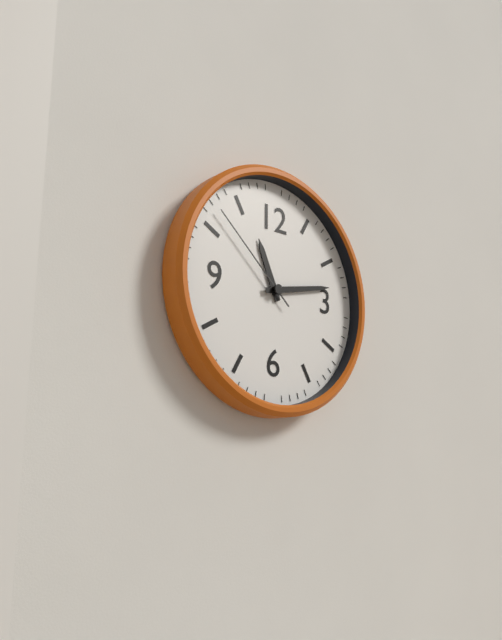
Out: h=11 m=13 s=52
